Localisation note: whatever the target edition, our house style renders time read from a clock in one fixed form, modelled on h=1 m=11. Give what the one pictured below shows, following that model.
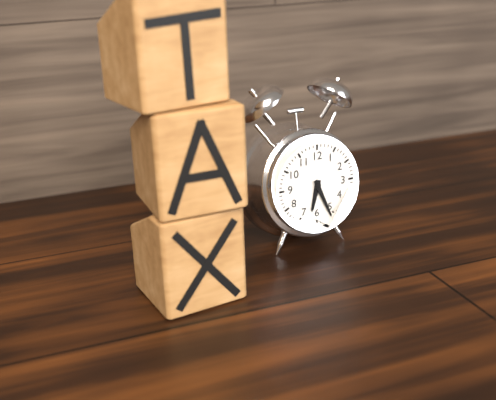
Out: h=6 m=26
